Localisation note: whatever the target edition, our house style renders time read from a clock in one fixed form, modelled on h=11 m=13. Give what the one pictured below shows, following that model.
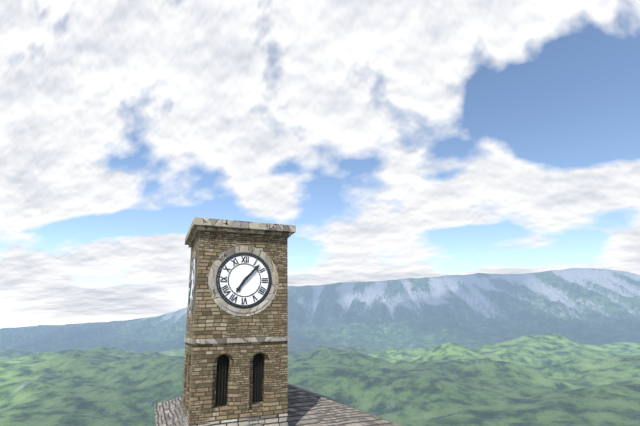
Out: h=7 m=7
